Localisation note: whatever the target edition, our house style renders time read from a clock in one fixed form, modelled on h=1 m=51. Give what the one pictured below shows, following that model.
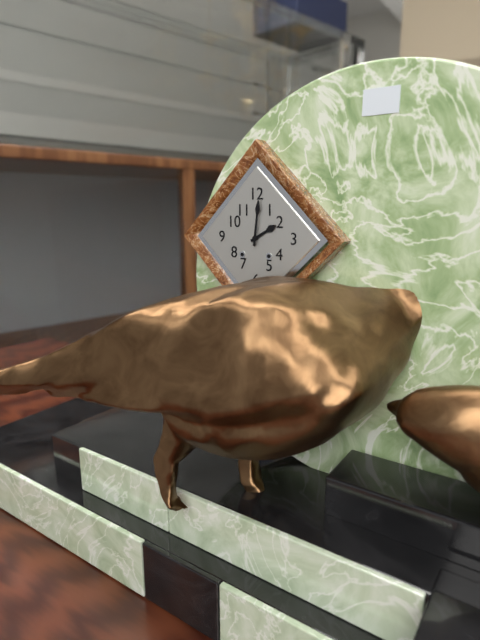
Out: h=2 m=1
